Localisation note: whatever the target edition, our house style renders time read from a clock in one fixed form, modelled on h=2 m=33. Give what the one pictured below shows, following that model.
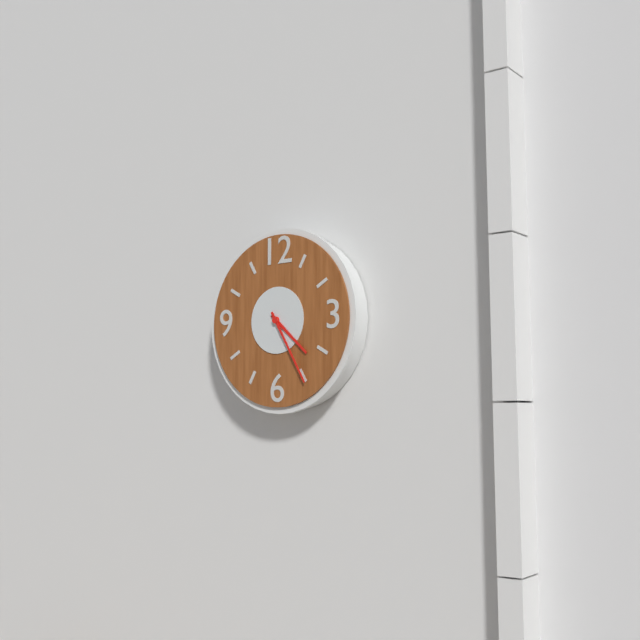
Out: h=4 m=25
